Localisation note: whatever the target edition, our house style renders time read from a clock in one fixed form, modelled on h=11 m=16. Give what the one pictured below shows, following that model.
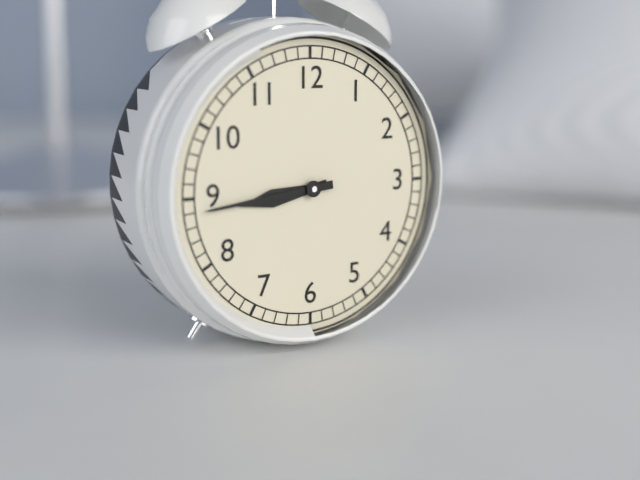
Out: h=8 m=44
